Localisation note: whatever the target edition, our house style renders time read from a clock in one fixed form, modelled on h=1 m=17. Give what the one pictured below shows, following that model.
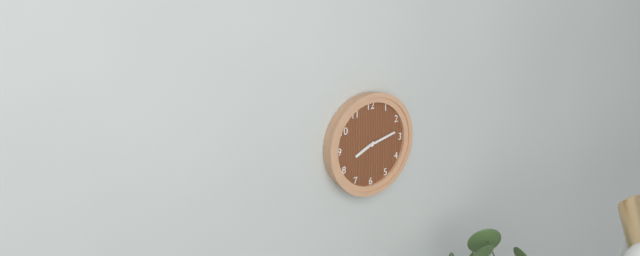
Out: h=8 m=13
